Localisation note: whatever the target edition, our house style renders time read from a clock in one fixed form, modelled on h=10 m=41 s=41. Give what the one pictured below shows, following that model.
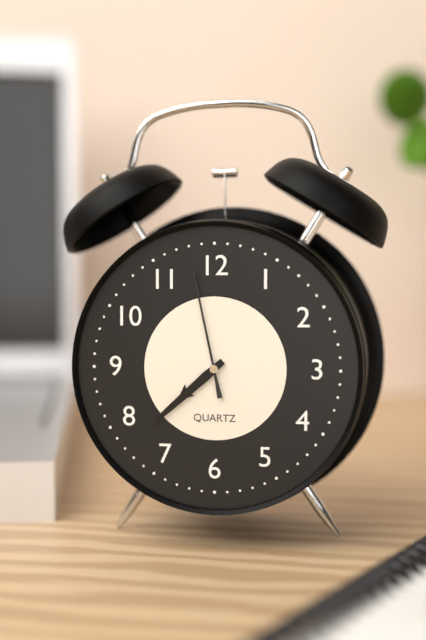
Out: h=7 m=38 s=58
